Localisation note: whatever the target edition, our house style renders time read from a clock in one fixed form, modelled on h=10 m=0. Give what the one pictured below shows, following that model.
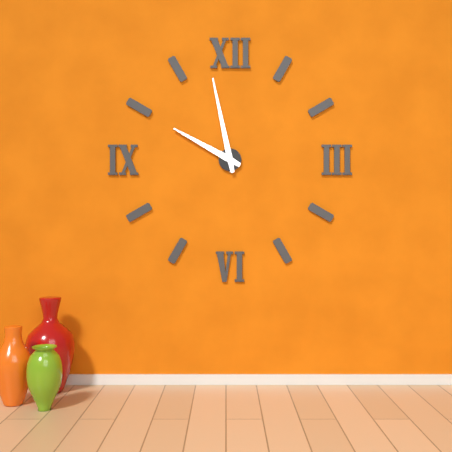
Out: h=9 m=58
